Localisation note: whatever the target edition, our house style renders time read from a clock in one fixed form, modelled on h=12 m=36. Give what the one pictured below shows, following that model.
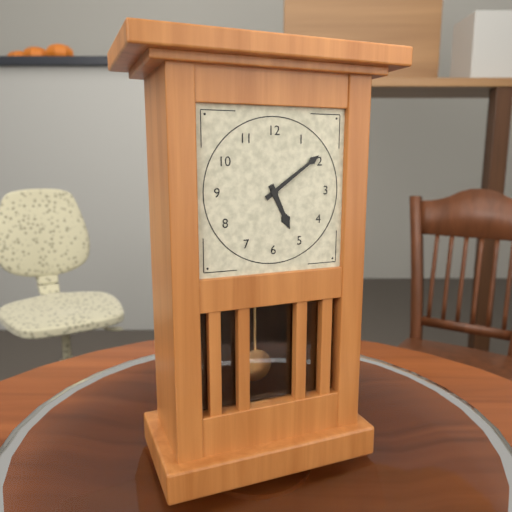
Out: h=5 m=9
